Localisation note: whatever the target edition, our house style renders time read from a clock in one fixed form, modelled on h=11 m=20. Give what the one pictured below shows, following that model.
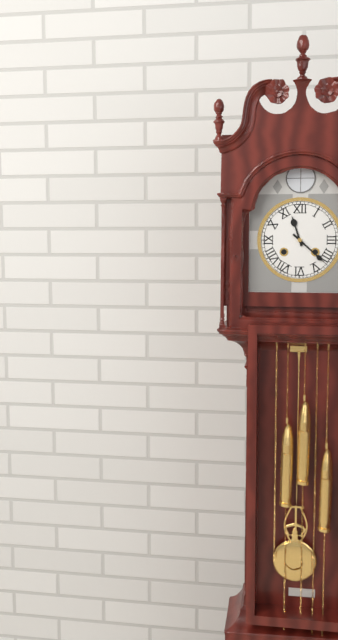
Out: h=11 m=22
